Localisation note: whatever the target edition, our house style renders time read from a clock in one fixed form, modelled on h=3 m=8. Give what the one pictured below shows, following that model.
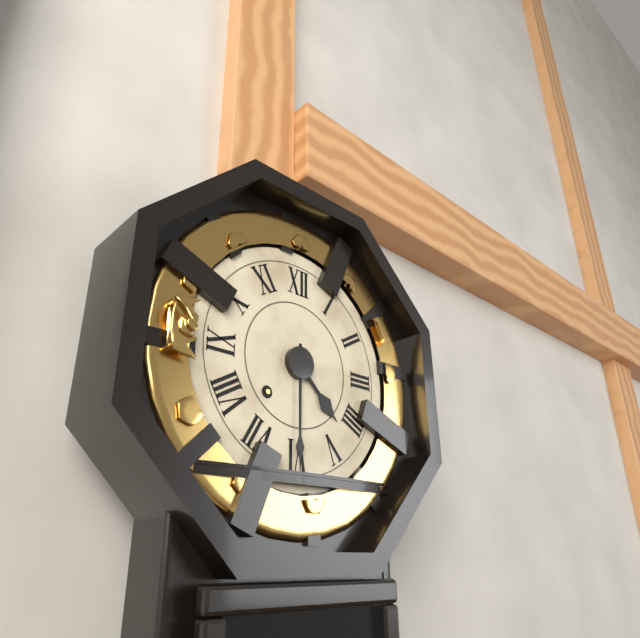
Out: h=4 m=30
